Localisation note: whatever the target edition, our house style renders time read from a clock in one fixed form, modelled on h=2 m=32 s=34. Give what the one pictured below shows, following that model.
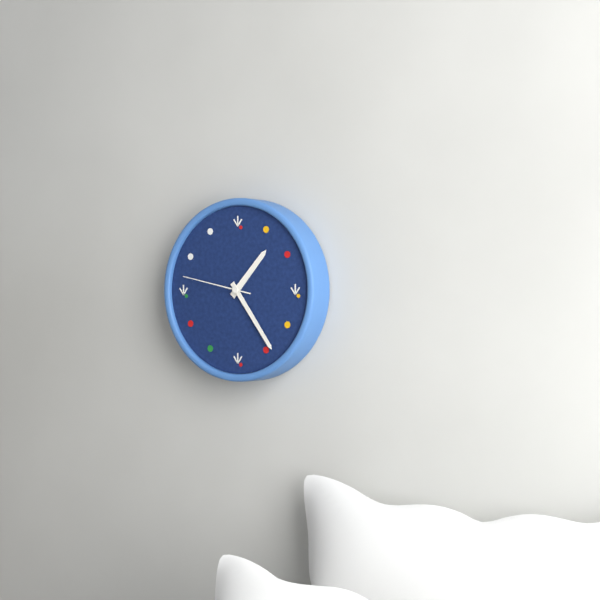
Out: h=1 m=24 s=47
